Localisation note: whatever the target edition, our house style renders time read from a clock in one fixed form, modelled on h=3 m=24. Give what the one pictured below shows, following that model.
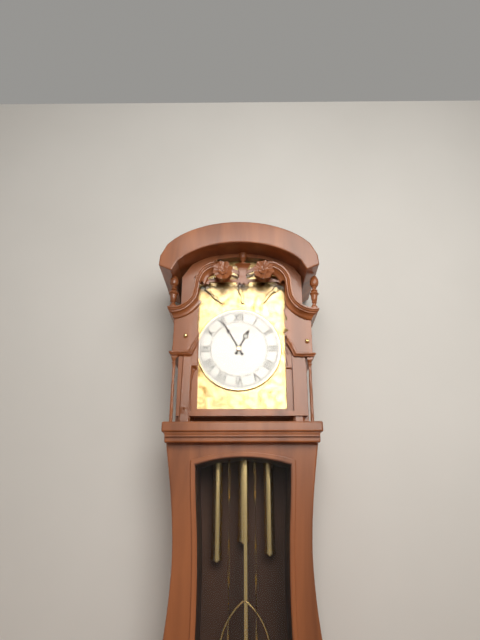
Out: h=12 m=55
